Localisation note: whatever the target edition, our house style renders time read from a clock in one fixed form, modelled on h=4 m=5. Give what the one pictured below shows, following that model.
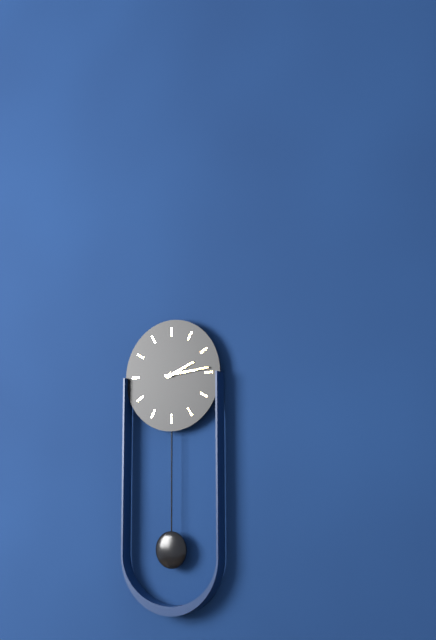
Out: h=2 m=14
